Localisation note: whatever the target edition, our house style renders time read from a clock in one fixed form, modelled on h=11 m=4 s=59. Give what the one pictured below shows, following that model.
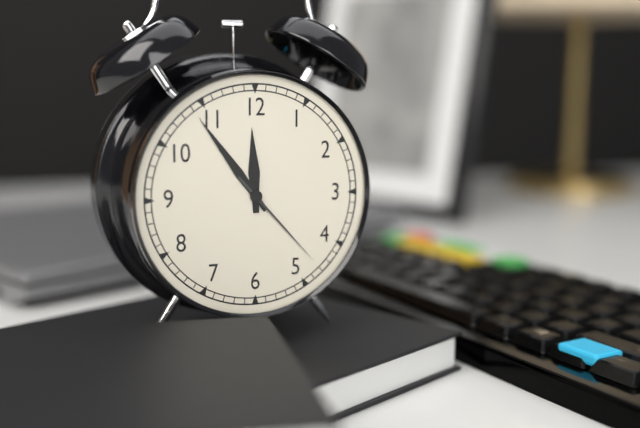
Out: h=11 m=54 s=23
